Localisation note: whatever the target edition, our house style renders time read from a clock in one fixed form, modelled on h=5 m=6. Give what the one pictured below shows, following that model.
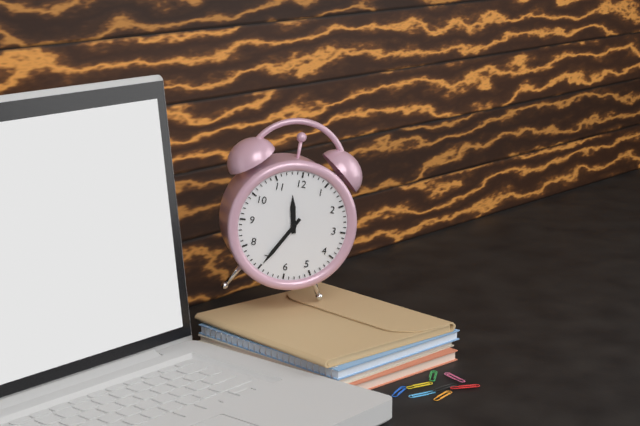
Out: h=11 m=35
